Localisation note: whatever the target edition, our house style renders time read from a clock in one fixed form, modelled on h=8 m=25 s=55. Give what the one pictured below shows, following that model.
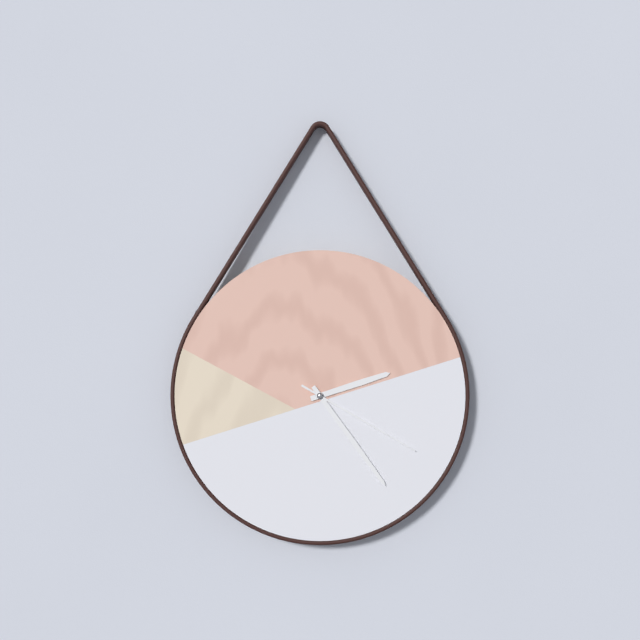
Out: h=2 m=24 s=20
